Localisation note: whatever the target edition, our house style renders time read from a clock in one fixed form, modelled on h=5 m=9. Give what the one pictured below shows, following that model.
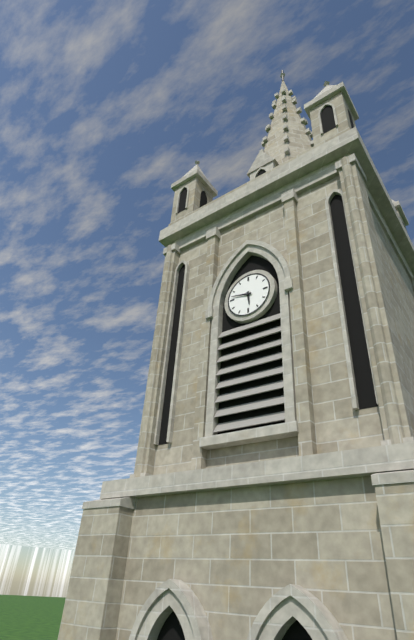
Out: h=5 m=47
